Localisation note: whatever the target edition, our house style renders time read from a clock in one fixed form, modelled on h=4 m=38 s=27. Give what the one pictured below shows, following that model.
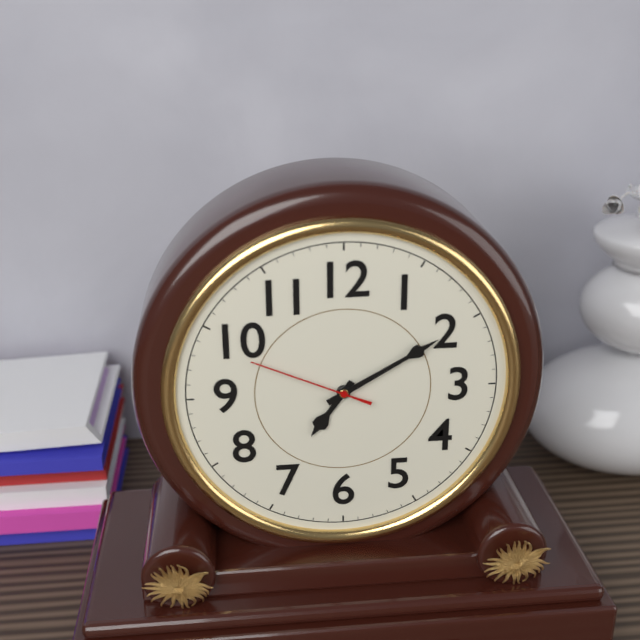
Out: h=7 m=10 s=49
